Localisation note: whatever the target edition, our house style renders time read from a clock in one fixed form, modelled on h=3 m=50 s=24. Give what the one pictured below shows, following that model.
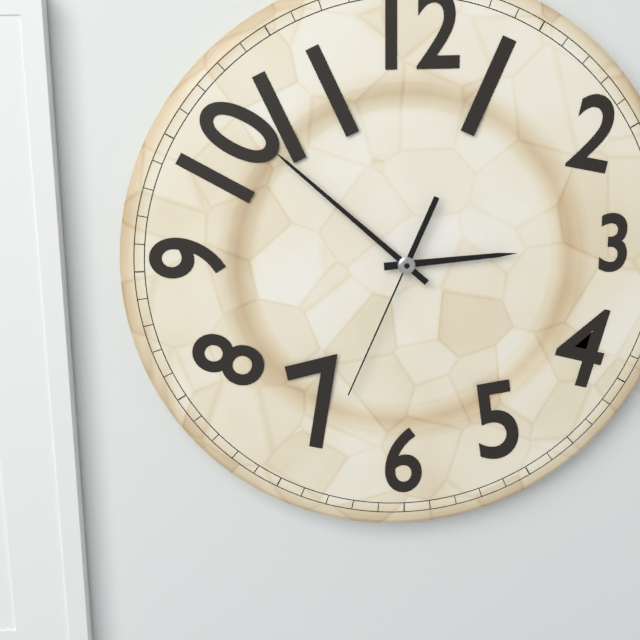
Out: h=2 m=52 s=34
